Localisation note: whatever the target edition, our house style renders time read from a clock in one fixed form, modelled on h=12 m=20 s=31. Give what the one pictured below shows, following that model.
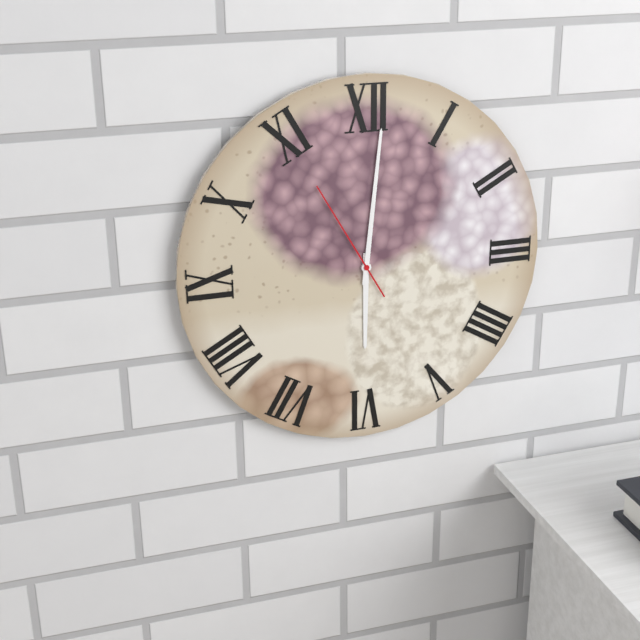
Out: h=6 m=1 s=55
